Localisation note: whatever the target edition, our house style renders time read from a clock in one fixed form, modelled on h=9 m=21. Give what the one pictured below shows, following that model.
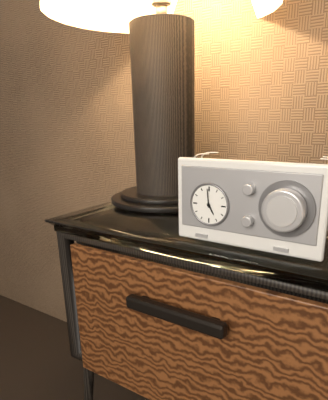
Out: h=4 m=59
